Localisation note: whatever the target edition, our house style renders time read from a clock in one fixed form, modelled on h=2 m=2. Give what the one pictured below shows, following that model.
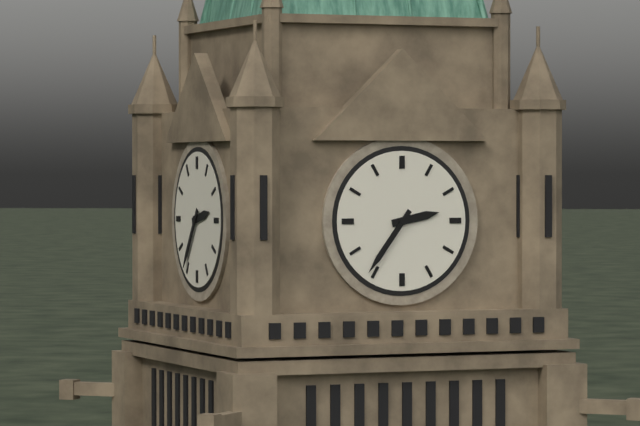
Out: h=2 m=36
